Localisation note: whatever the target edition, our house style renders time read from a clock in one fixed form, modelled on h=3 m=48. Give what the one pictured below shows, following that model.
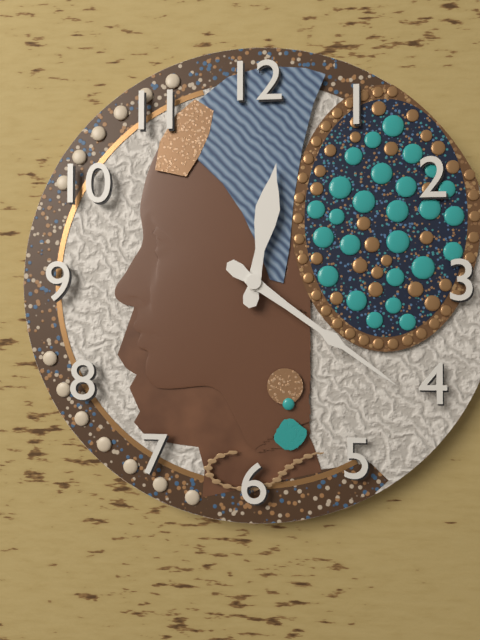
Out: h=12 m=21
